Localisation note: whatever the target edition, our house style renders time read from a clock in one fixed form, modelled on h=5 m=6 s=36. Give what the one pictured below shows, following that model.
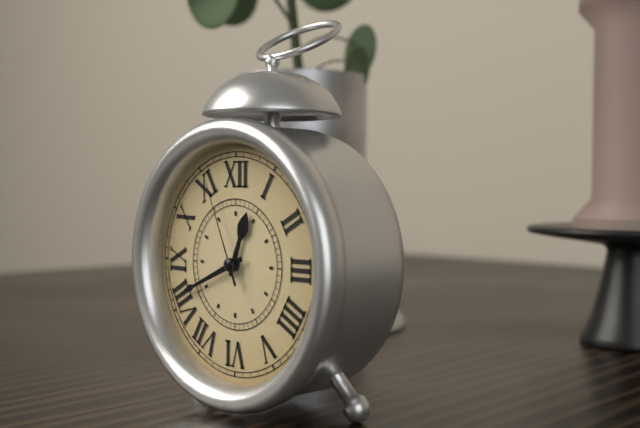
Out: h=12 m=41 s=56
